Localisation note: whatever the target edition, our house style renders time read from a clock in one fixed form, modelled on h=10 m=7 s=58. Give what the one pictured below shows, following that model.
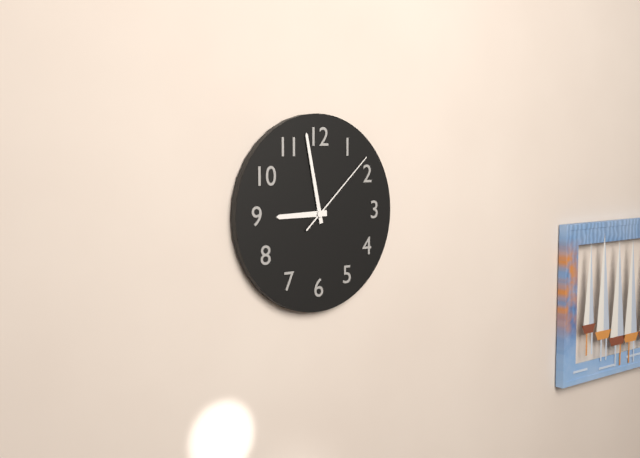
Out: h=8 m=58 s=8
